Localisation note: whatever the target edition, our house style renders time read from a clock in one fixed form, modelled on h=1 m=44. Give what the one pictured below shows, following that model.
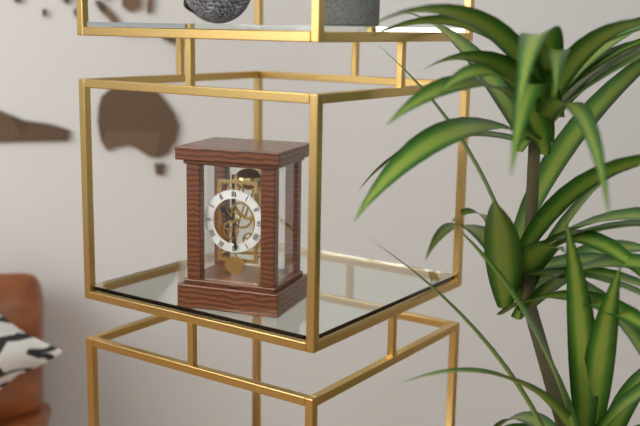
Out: h=10 m=29
